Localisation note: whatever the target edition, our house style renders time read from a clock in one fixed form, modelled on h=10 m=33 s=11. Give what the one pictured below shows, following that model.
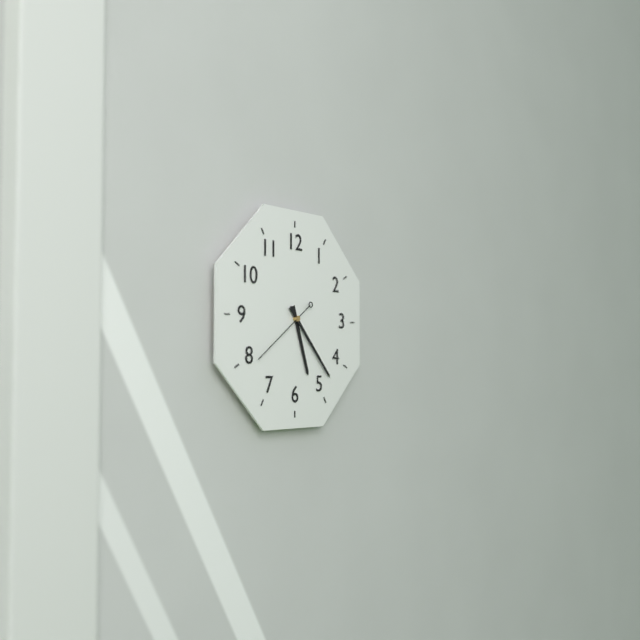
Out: h=5 m=23 s=39
